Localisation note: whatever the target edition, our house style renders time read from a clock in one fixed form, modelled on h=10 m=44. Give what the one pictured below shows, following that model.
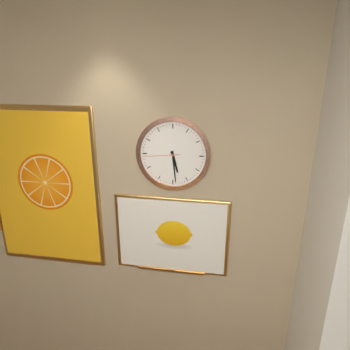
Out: h=5 m=29
